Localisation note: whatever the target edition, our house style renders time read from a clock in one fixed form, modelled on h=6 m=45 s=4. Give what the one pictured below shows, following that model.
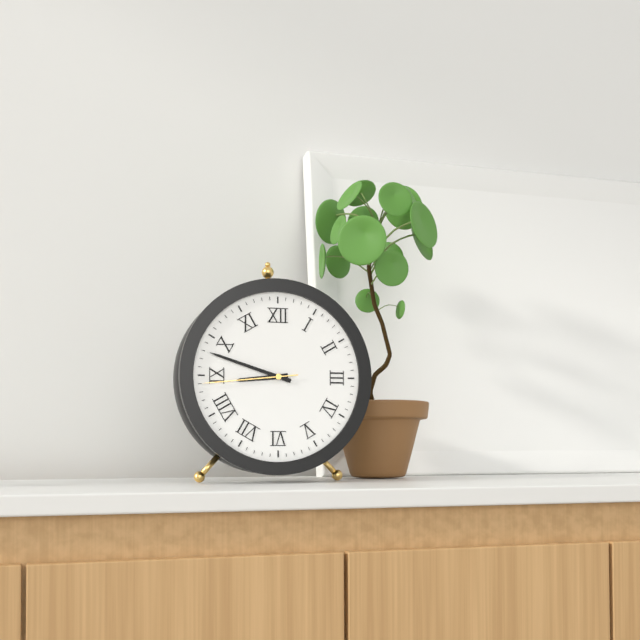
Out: h=8 m=48 s=44
